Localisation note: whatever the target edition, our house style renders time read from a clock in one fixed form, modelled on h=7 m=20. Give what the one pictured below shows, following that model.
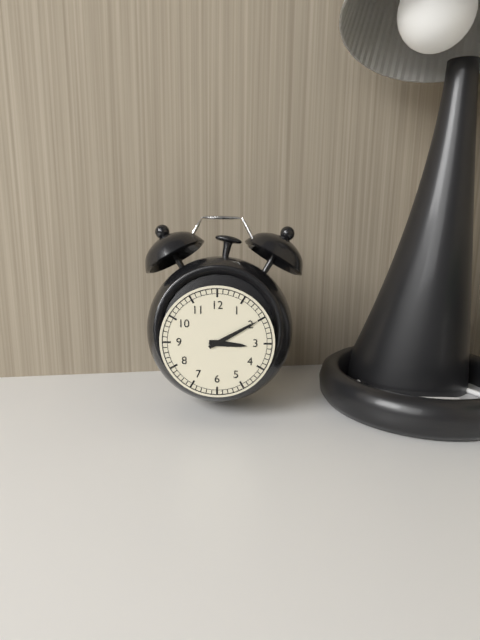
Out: h=3 m=10
